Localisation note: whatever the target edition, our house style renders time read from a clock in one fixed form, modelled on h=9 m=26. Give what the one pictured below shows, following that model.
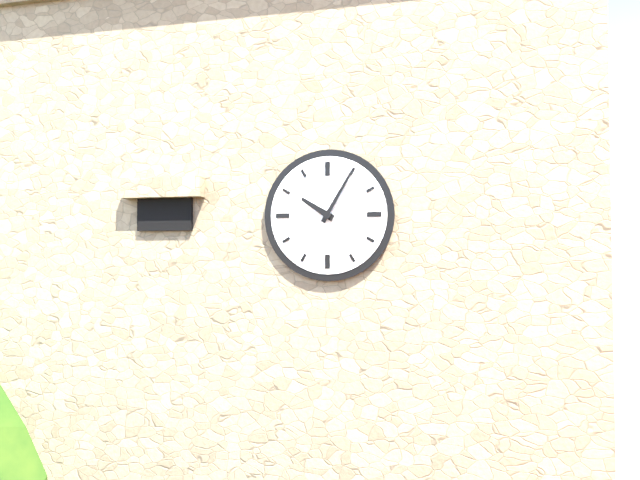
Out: h=10 m=5
